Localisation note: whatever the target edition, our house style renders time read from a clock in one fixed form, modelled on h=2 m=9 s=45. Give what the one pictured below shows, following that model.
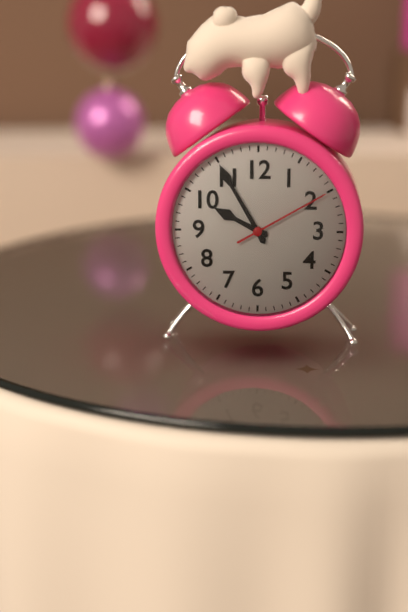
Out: h=9 m=55 s=10
